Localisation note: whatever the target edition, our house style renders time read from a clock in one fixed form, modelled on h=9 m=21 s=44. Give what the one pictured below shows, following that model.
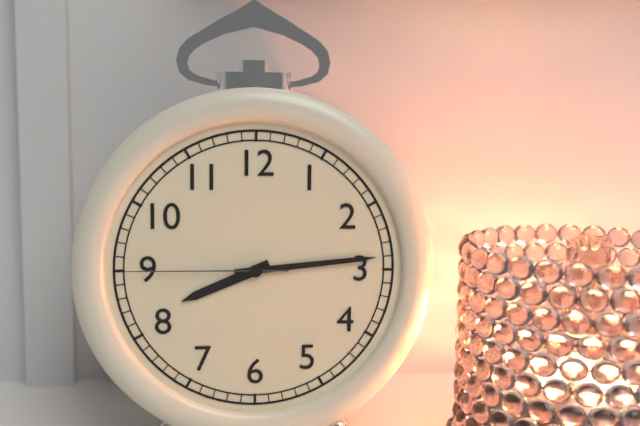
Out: h=8 m=14 s=45
